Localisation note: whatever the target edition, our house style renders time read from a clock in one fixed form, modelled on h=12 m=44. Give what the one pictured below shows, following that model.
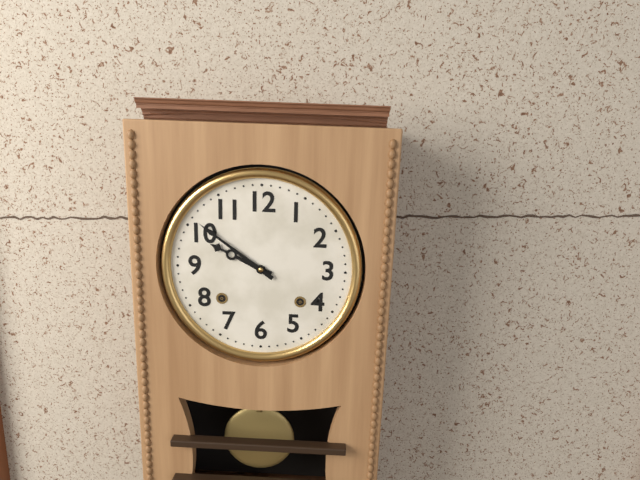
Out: h=9 m=51
